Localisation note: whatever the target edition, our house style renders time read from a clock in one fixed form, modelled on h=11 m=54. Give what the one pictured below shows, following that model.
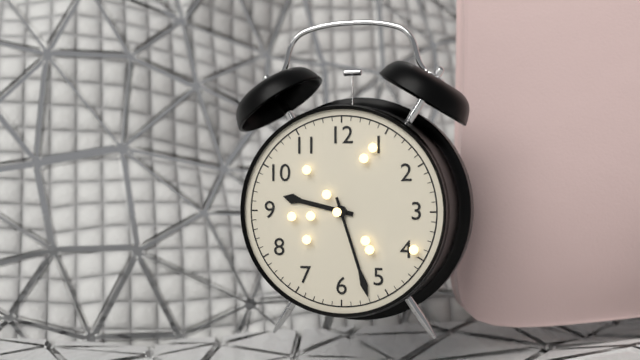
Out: h=9 m=27
